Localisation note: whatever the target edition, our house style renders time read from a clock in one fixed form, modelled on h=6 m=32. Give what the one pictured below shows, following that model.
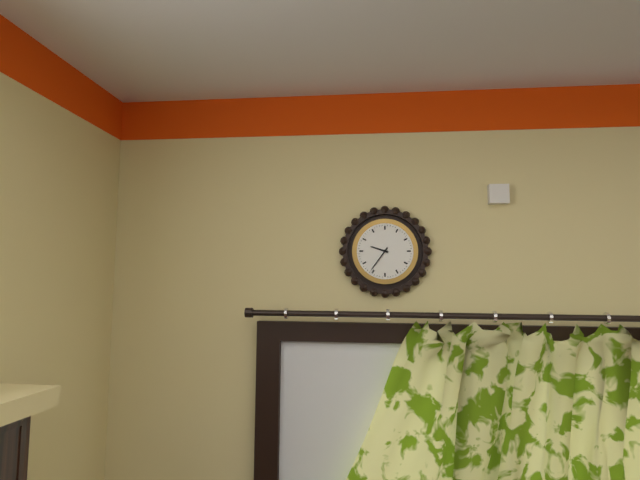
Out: h=9 m=36
